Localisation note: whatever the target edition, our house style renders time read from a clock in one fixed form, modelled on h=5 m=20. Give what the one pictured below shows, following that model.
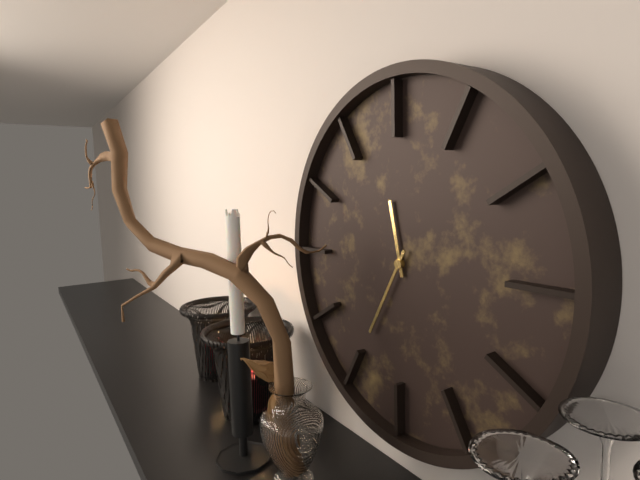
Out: h=11 m=35
